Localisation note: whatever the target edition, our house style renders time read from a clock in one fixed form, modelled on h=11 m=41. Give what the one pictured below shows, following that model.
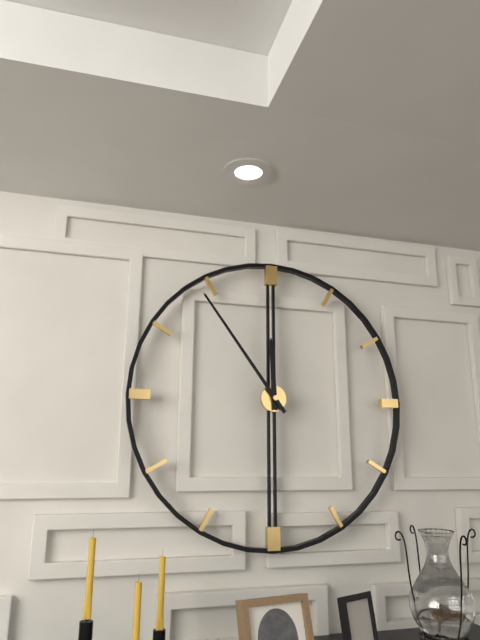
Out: h=11 m=54
